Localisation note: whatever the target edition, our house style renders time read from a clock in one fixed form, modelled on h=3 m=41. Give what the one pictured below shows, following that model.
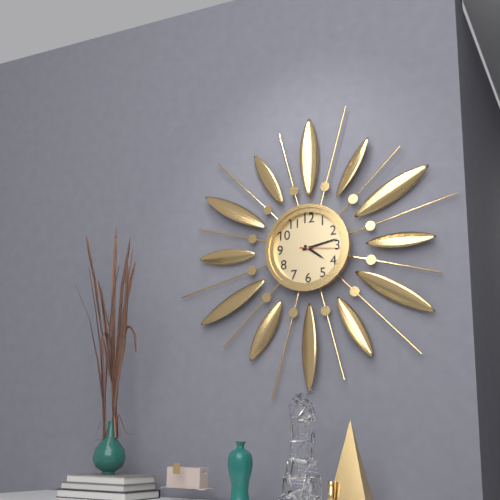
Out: h=4 m=13
